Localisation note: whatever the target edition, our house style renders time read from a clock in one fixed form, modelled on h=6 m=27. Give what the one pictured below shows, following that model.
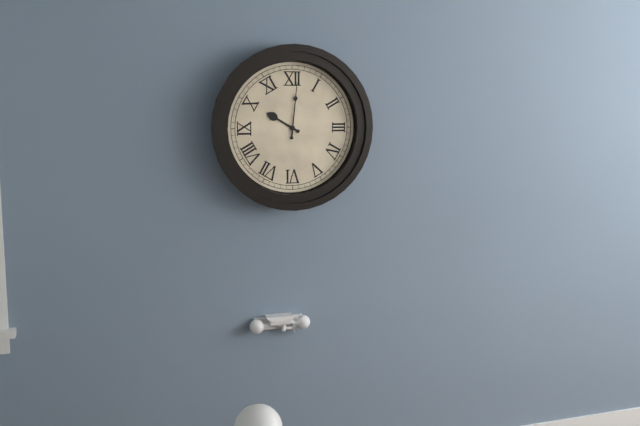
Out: h=10 m=1
